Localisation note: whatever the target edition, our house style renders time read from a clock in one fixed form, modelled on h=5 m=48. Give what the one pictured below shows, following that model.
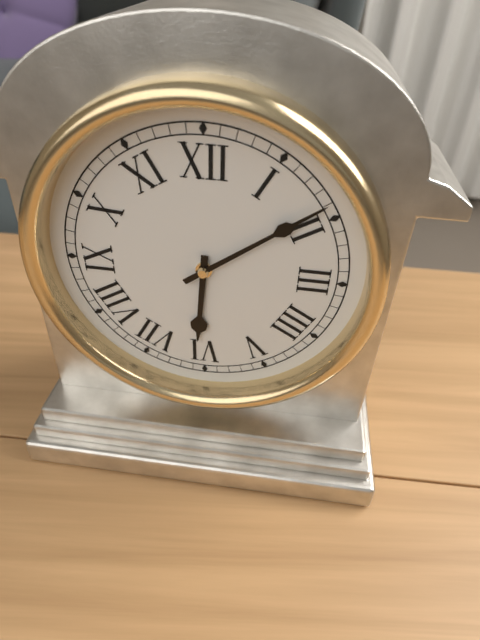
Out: h=6 m=9
